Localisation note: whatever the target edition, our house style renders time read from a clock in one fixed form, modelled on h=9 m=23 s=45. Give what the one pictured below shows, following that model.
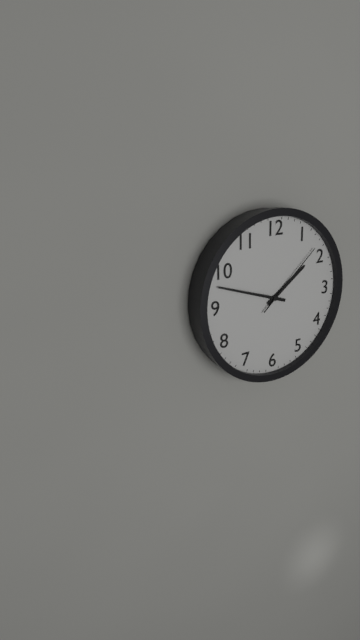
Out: h=1 m=48 s=8
